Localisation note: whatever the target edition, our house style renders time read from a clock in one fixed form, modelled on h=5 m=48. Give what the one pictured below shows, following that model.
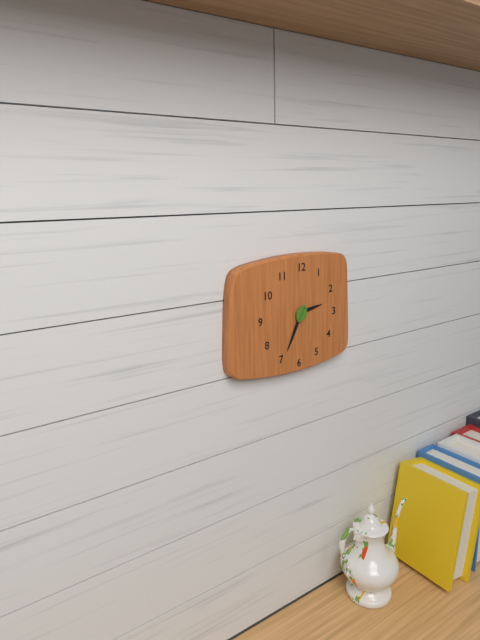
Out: h=2 m=34
